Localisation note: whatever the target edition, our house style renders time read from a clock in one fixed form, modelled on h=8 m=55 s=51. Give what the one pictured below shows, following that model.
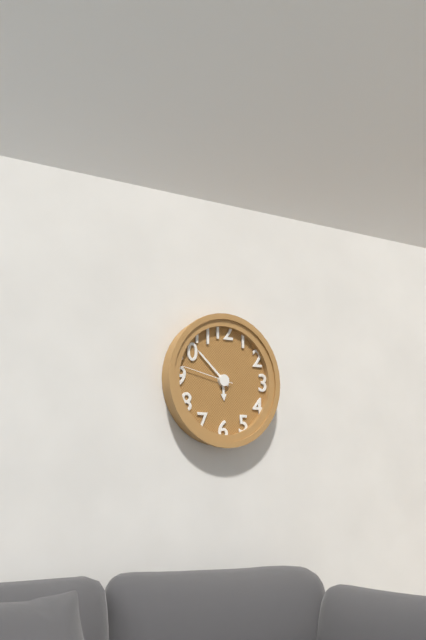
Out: h=5 m=52 s=47
